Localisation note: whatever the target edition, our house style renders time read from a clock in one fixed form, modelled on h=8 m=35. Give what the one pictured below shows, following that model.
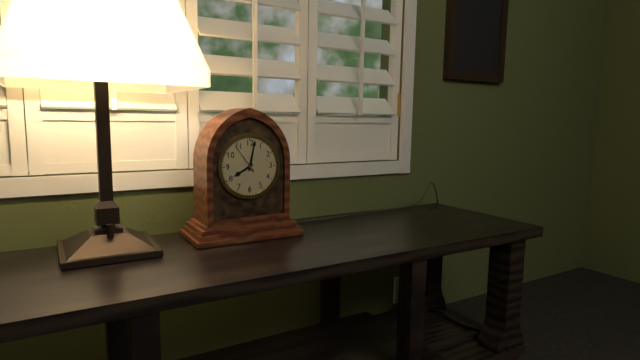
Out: h=8 m=2
